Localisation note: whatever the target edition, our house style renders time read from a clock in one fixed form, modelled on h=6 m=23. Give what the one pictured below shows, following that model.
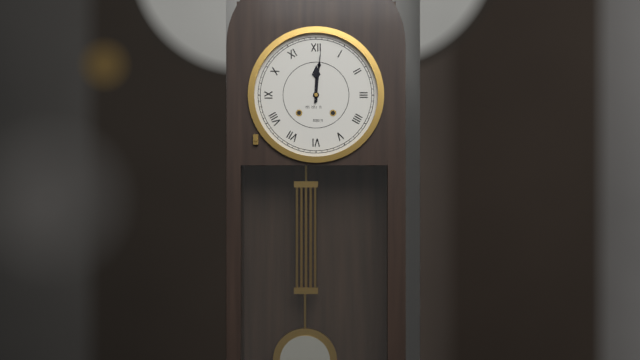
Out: h=12 m=1
